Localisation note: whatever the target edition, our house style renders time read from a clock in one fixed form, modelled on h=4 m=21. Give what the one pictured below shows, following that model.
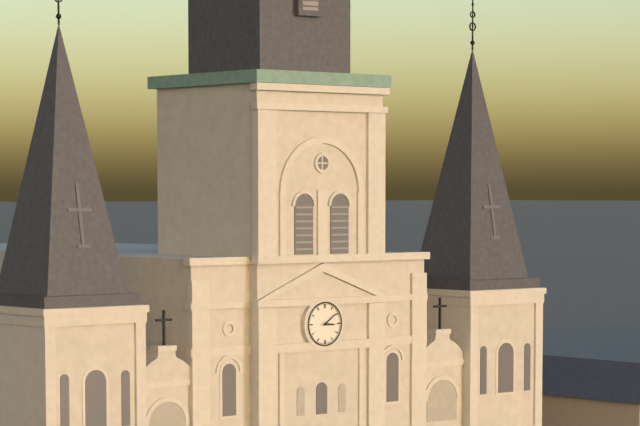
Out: h=3 m=9
